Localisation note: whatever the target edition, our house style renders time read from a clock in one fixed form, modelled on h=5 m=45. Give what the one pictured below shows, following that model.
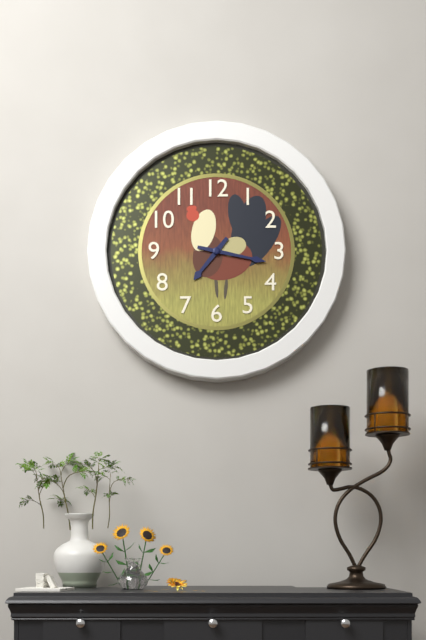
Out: h=7 m=17
